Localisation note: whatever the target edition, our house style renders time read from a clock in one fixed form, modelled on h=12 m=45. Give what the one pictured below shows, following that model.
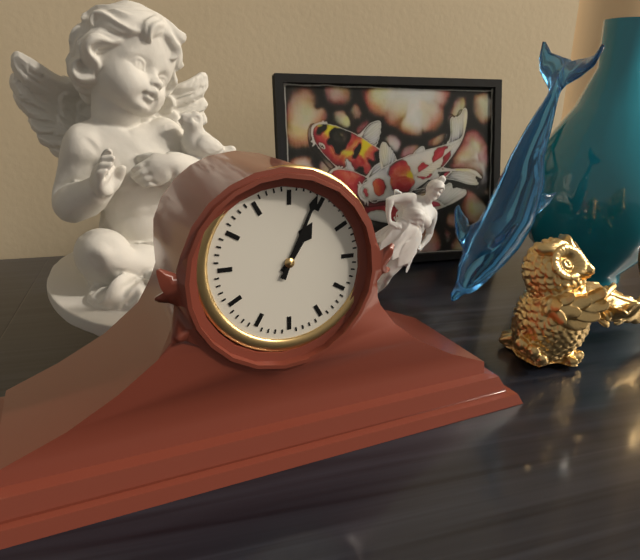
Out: h=1 m=4
